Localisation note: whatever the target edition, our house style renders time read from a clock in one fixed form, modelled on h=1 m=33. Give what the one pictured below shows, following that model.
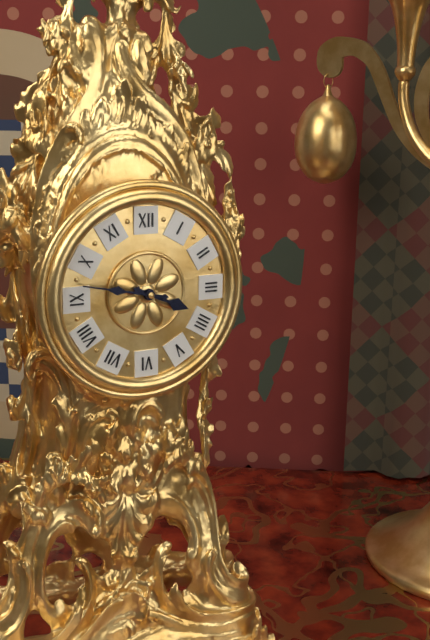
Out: h=3 m=47
